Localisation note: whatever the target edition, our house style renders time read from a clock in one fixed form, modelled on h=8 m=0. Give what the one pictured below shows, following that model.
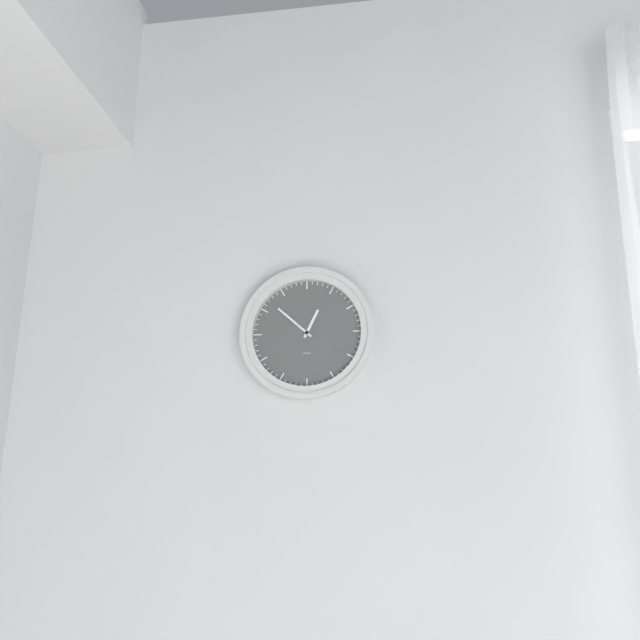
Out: h=12 m=52
